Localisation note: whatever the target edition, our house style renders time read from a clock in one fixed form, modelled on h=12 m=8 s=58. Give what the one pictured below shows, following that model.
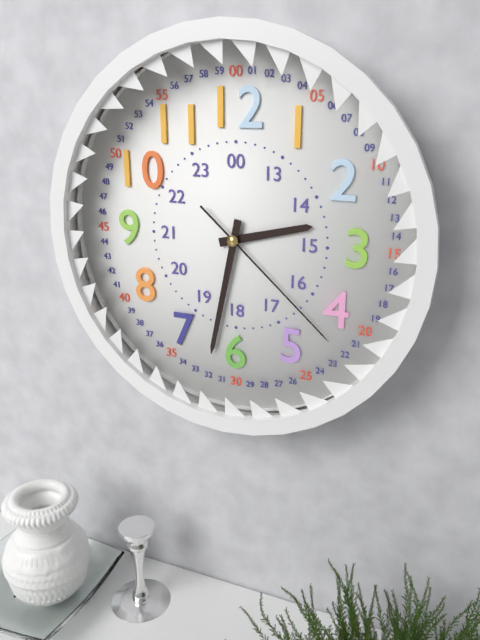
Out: h=2 m=32 s=22
